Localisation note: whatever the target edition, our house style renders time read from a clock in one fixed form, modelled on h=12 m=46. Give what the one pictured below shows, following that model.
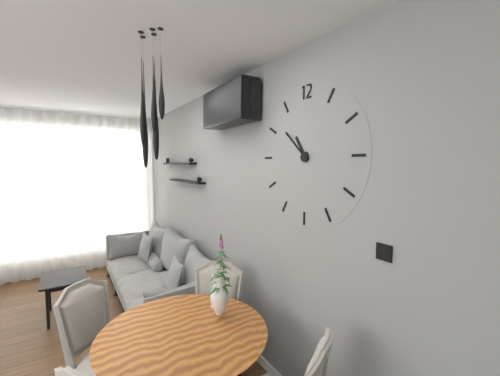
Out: h=10 m=52
